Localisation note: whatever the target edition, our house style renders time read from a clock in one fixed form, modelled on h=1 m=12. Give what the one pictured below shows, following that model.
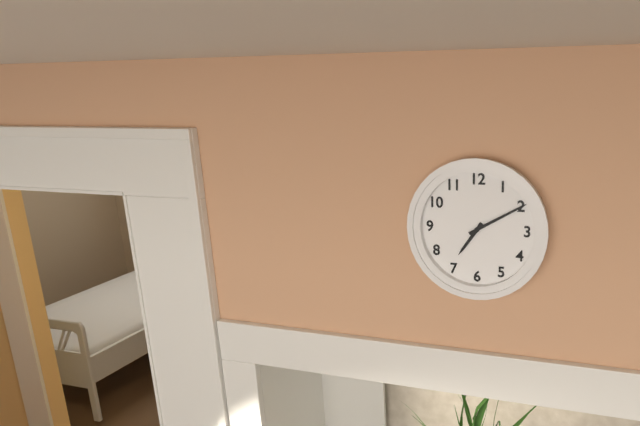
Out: h=7 m=10
